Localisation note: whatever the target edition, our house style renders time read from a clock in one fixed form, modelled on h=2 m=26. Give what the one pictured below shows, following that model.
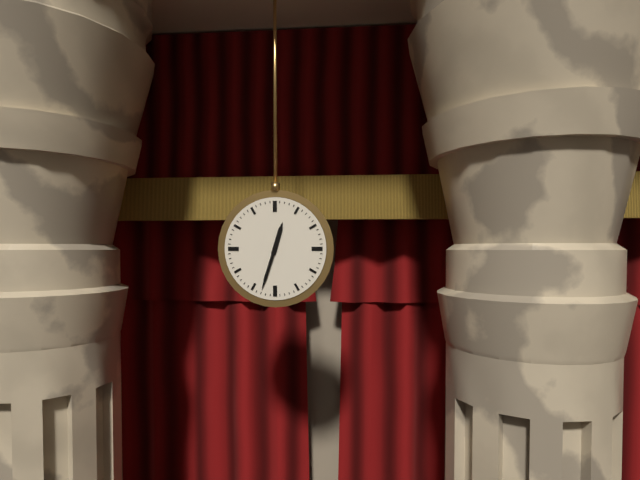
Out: h=12 m=33
